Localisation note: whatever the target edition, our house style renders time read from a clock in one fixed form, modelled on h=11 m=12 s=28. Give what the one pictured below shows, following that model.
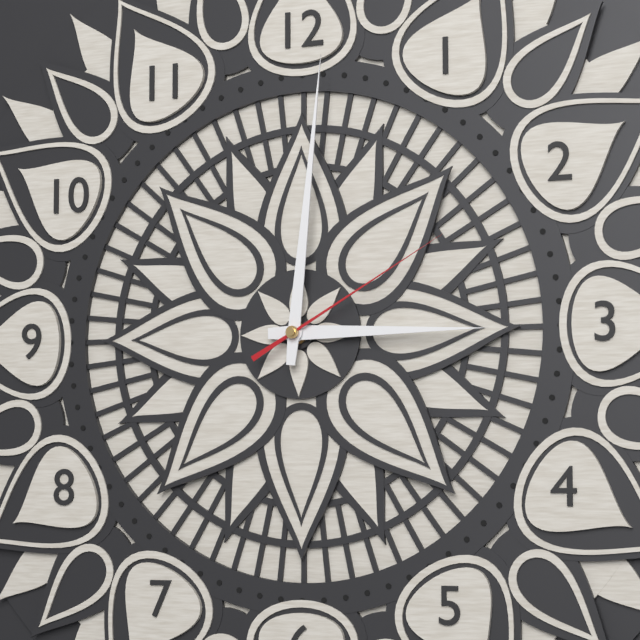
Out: h=3 m=1 s=10
